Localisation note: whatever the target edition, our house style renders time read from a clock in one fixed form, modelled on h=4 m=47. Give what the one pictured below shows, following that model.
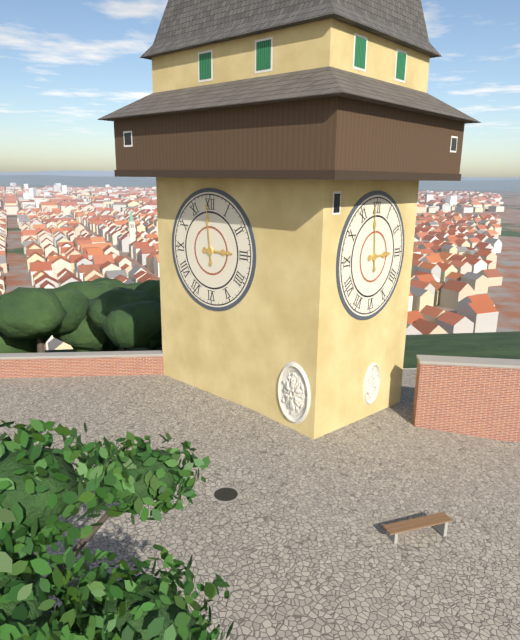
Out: h=2 m=59
